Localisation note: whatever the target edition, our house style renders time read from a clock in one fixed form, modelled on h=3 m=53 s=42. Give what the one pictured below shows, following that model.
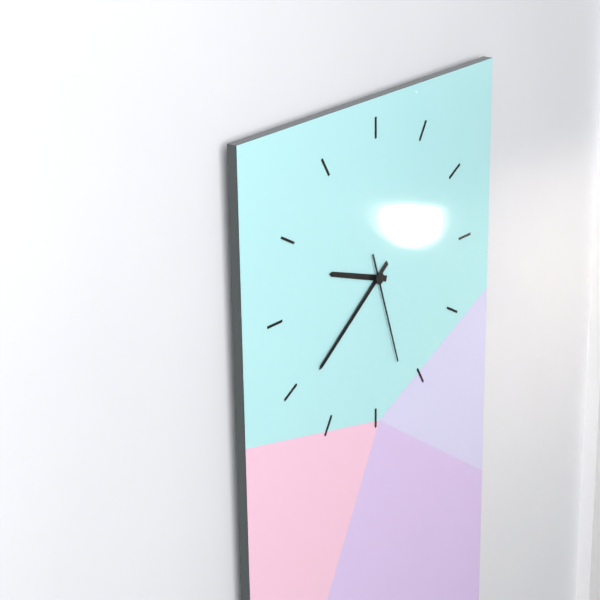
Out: h=9 m=39 s=27
